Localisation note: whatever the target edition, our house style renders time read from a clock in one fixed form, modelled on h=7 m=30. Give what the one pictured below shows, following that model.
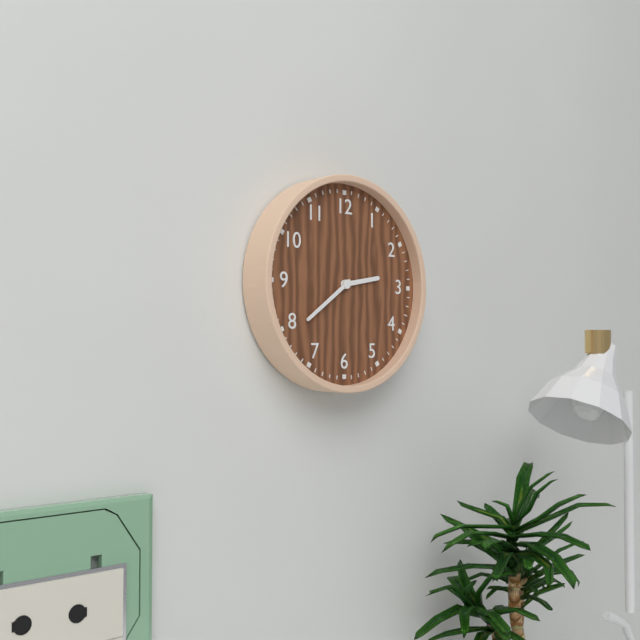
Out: h=2 m=39
